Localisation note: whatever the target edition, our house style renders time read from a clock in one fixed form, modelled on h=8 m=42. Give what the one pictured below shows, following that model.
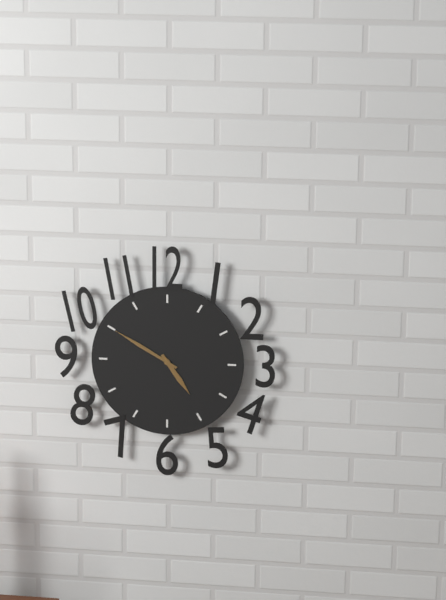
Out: h=4 m=50
